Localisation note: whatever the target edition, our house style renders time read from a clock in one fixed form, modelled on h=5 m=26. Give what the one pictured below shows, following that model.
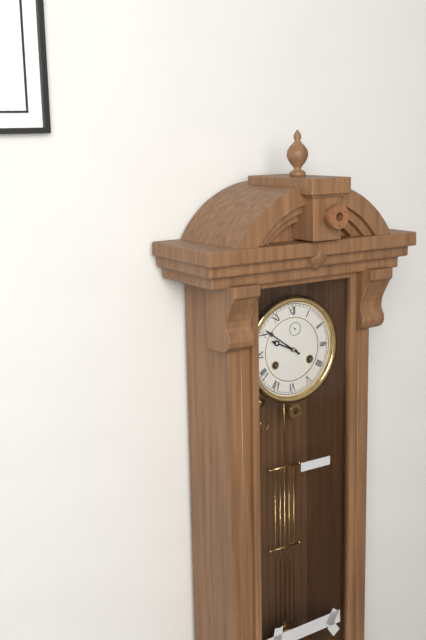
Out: h=9 m=51
